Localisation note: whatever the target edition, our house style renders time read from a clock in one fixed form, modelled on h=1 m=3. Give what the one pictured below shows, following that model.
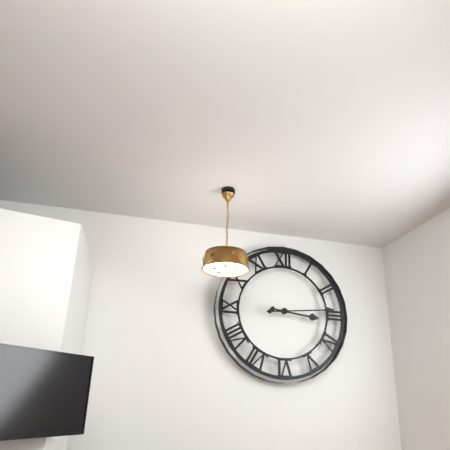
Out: h=3 m=14
